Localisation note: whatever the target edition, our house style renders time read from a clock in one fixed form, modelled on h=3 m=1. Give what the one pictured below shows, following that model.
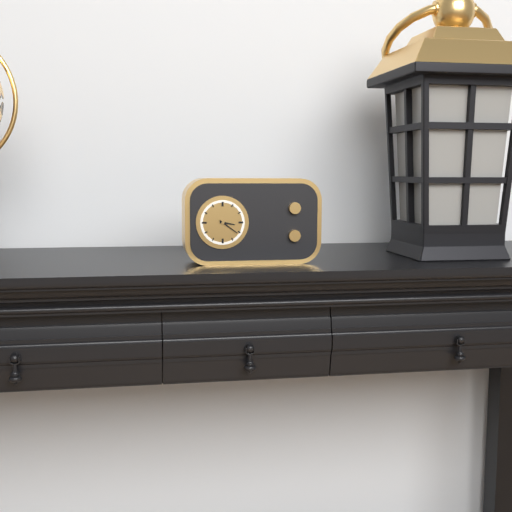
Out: h=3 m=21
